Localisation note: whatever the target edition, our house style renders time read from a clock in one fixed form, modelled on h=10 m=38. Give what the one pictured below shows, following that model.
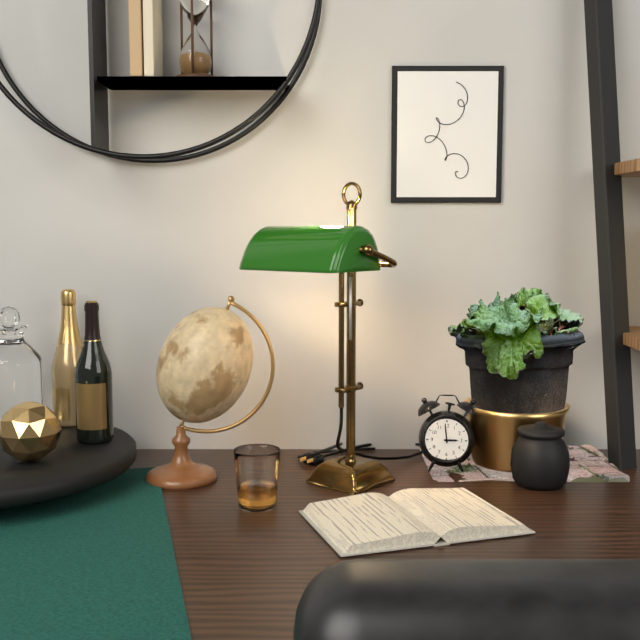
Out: h=2 m=59
